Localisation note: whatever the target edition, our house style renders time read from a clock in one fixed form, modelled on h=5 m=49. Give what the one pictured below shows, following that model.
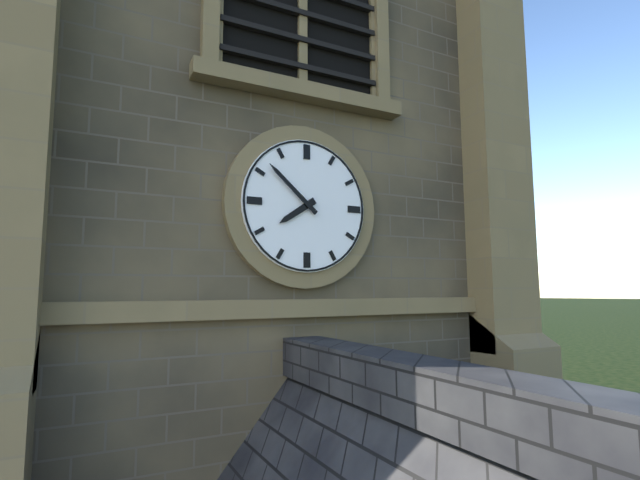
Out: h=7 m=52
